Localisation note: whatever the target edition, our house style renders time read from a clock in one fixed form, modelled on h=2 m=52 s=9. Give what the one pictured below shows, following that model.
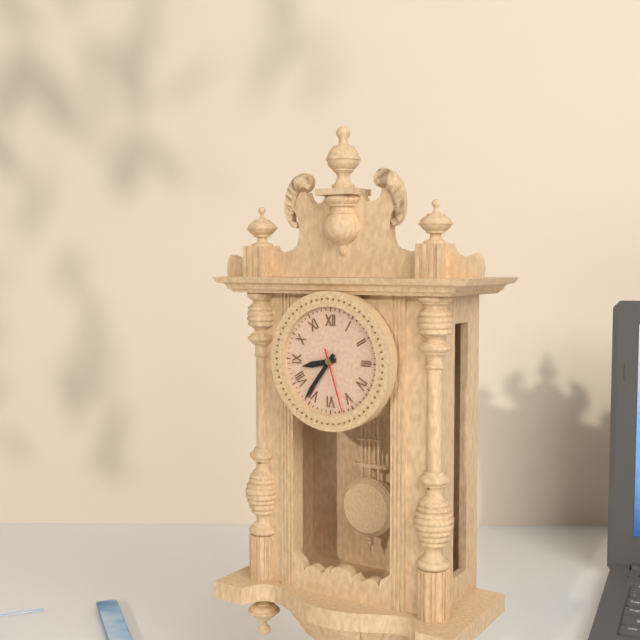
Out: h=8 m=36 s=27
